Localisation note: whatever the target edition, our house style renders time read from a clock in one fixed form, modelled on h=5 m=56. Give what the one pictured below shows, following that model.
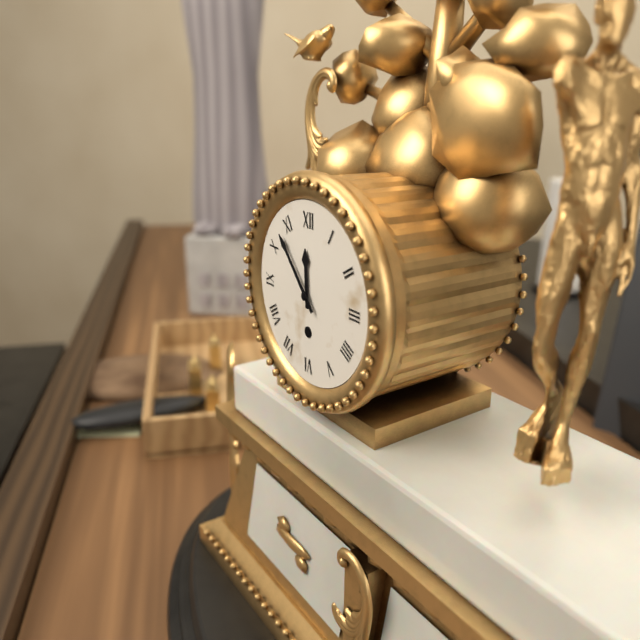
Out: h=11 m=53
